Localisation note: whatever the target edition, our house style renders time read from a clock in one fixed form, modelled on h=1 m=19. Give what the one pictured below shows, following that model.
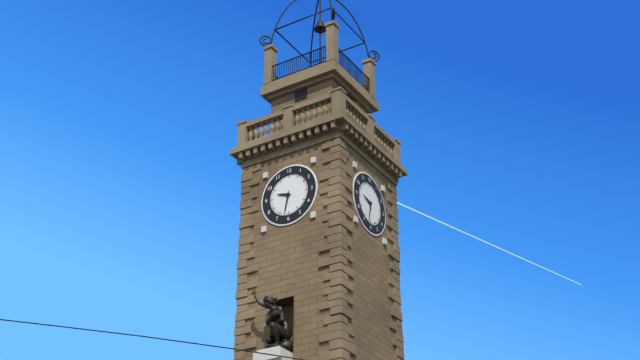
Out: h=9 m=32
